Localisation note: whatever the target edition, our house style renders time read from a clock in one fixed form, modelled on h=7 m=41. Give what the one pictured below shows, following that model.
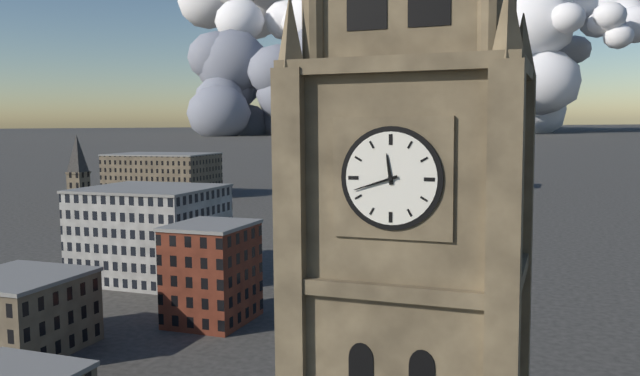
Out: h=11 m=42
